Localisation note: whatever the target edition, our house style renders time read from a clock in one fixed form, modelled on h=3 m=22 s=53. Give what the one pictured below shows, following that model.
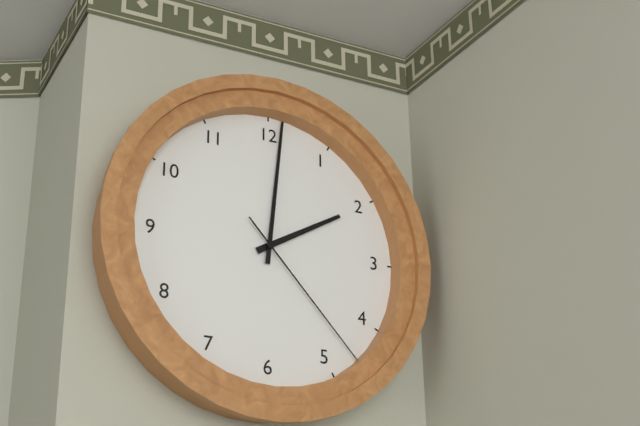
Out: h=2 m=1 s=23
